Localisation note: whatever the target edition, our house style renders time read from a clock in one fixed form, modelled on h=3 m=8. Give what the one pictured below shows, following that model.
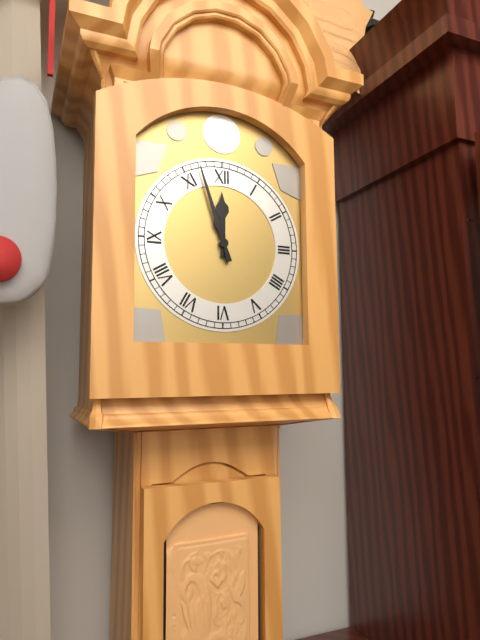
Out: h=11 m=57
